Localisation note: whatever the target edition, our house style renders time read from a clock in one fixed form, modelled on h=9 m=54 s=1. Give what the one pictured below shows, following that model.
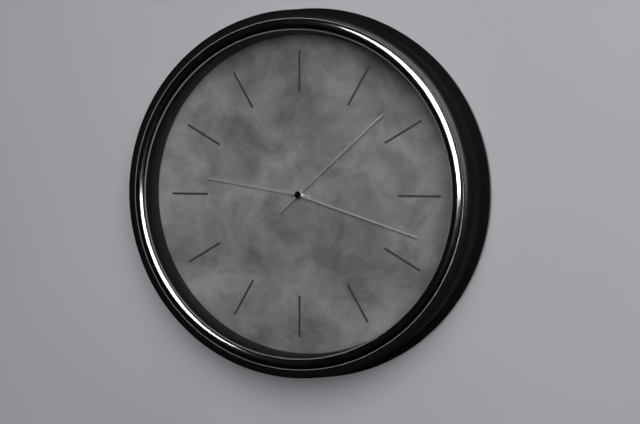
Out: h=9 m=18 s=8
